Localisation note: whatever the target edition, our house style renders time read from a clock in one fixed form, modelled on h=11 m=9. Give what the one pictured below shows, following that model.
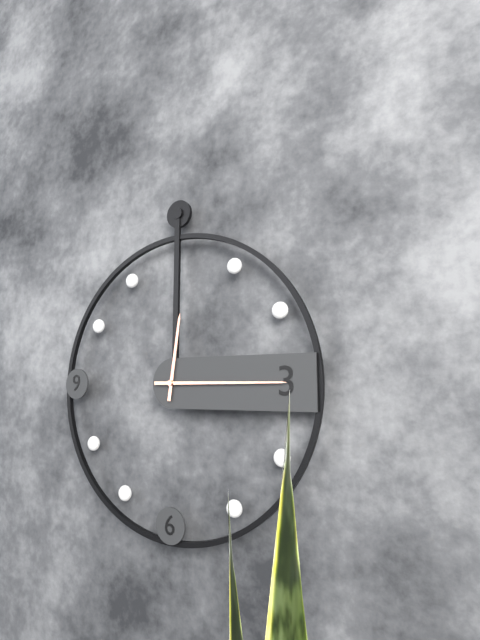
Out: h=12 m=15
